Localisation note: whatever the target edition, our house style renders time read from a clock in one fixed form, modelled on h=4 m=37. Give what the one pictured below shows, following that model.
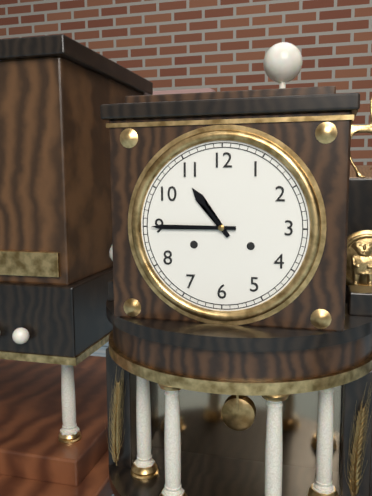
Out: h=10 m=45
